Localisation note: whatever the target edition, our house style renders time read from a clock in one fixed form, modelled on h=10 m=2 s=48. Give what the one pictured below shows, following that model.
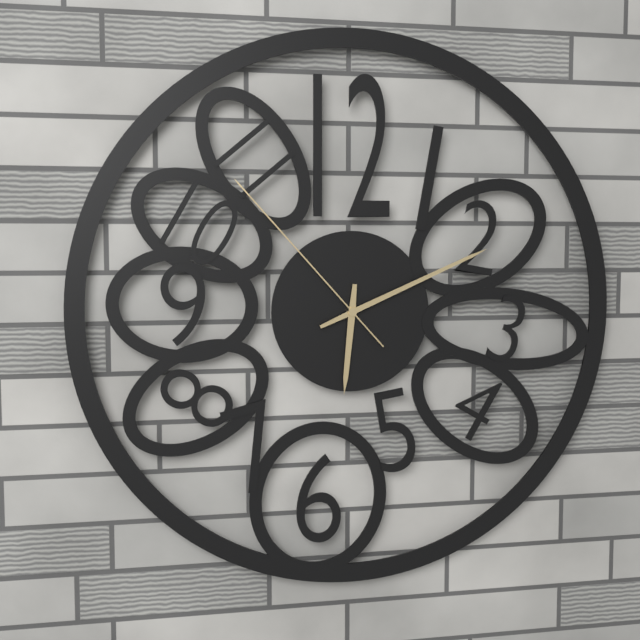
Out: h=6 m=11 s=53
